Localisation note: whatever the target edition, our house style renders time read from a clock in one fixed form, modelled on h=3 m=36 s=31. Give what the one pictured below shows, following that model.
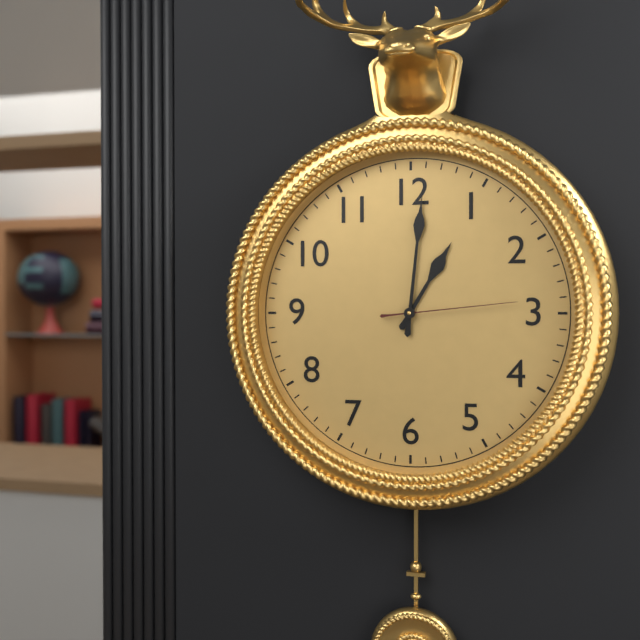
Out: h=1 m=1 s=14
